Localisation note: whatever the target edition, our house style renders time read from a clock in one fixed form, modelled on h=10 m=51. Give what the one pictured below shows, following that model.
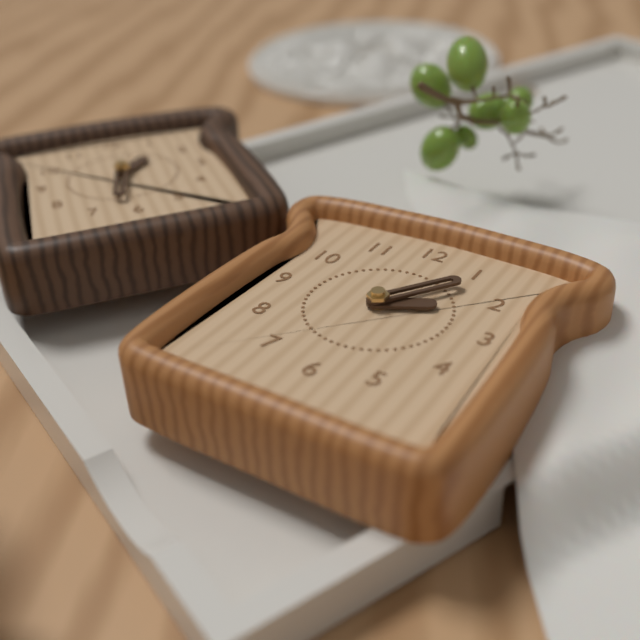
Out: h=2 m=6
